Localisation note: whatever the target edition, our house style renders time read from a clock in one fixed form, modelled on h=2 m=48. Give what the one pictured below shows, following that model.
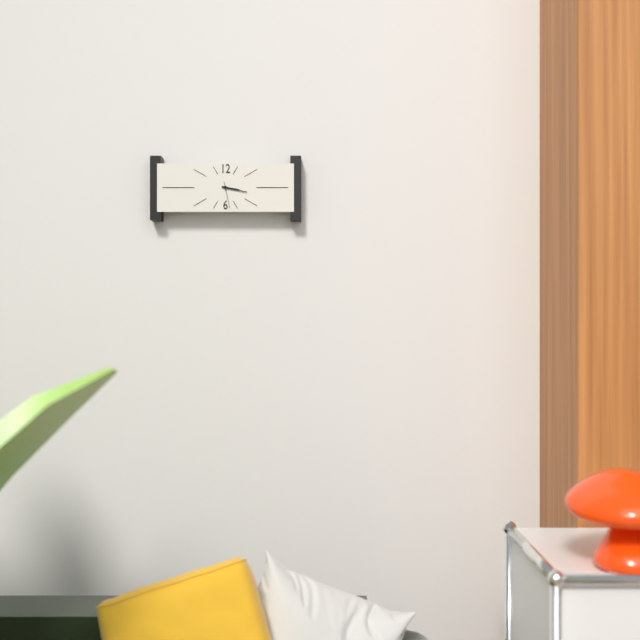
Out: h=3 m=17
